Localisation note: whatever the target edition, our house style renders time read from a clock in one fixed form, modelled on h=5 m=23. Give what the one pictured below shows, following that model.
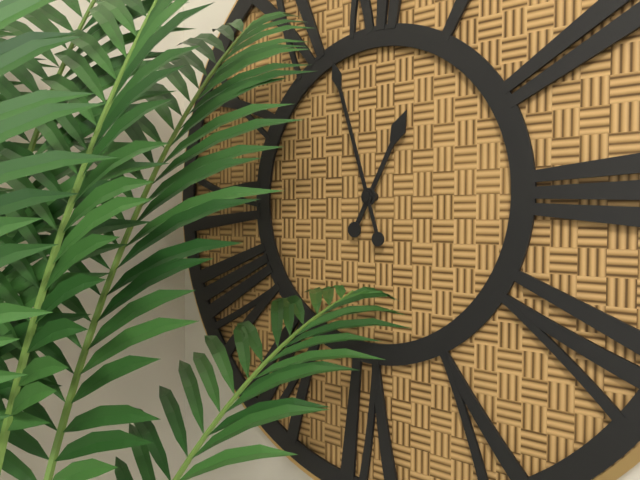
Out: h=12 m=57
